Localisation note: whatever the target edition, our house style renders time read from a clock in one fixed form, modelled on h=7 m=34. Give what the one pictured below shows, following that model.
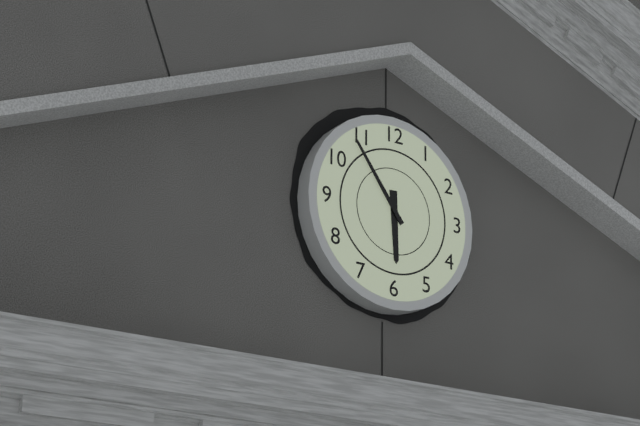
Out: h=5 m=54
